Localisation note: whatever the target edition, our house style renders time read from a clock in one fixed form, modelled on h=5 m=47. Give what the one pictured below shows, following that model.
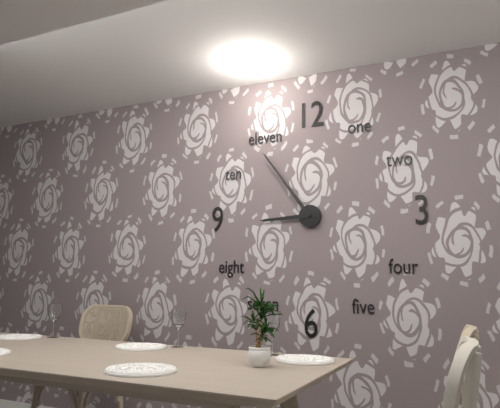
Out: h=8 m=54
